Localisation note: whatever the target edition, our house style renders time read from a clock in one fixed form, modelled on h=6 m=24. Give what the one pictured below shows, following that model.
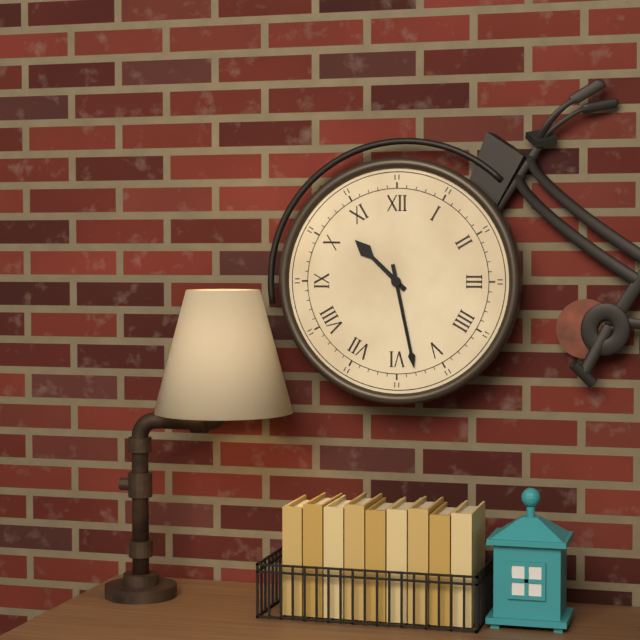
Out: h=10 m=28
